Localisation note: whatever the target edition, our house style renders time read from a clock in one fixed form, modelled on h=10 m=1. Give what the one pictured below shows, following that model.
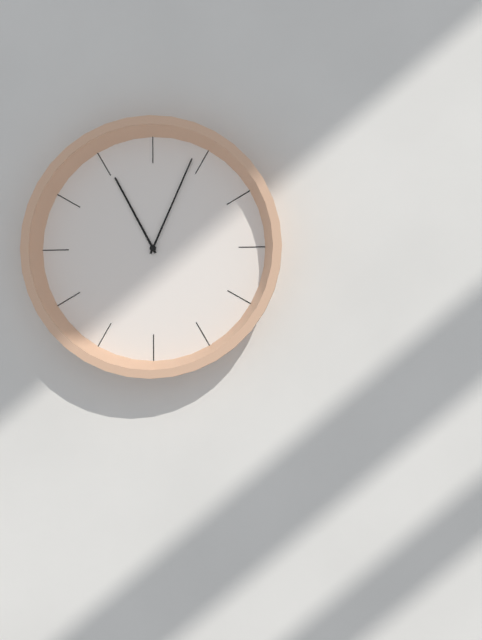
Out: h=11 m=4
